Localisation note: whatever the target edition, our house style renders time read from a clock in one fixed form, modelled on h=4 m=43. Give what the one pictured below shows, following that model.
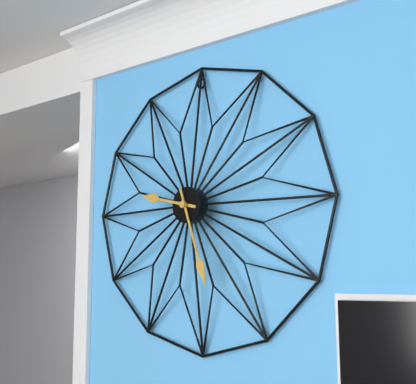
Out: h=9 m=27
